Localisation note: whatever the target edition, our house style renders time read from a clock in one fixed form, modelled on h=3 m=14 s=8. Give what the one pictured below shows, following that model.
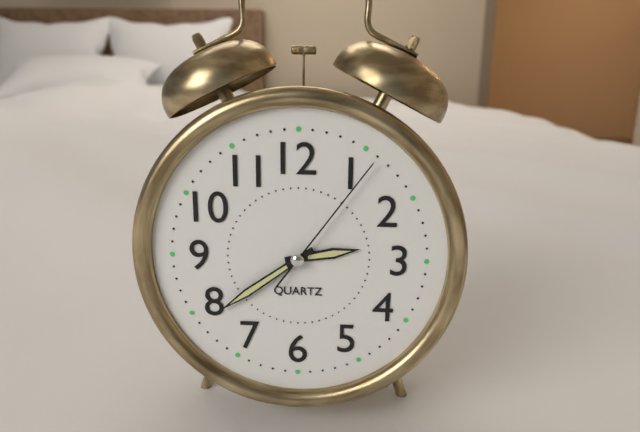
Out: h=2 m=39 s=6
